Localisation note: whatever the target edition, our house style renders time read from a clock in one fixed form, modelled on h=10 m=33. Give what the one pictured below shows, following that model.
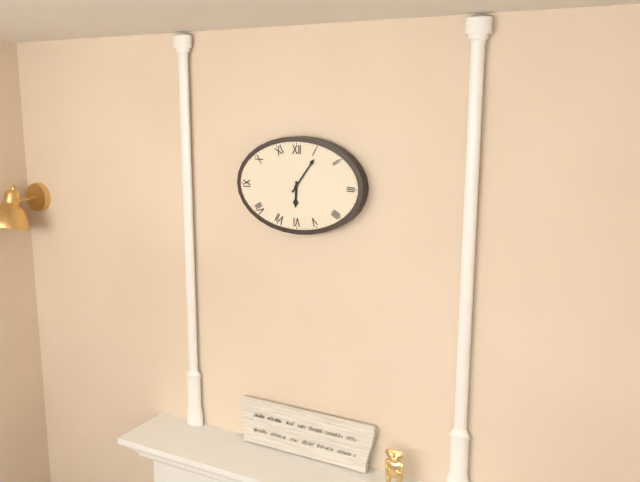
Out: h=6 m=6
